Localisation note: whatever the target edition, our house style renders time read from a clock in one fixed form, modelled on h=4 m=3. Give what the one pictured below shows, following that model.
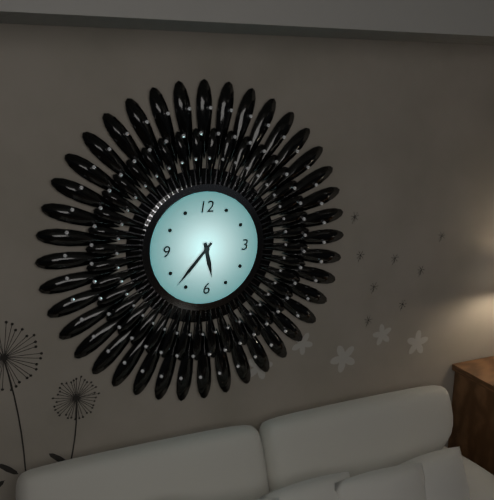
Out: h=5 m=37
